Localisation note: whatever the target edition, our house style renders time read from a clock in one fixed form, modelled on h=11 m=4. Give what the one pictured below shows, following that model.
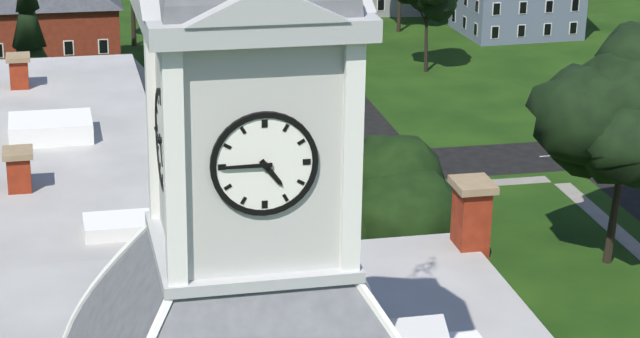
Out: h=4 m=45
